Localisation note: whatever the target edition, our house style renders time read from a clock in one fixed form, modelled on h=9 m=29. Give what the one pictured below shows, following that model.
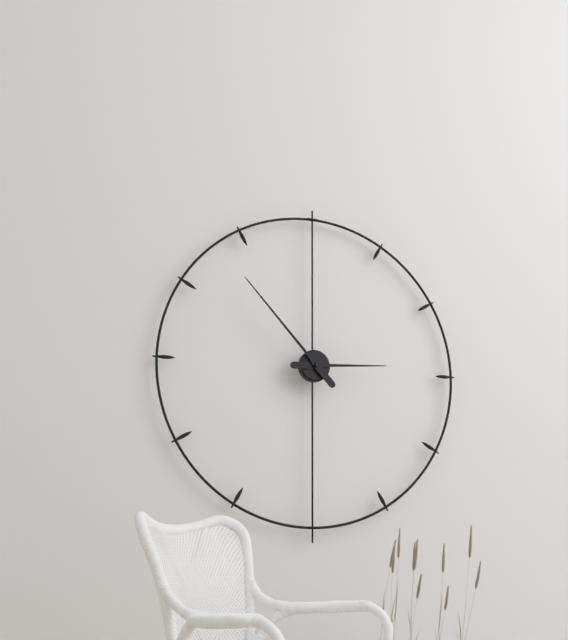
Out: h=2 m=53
